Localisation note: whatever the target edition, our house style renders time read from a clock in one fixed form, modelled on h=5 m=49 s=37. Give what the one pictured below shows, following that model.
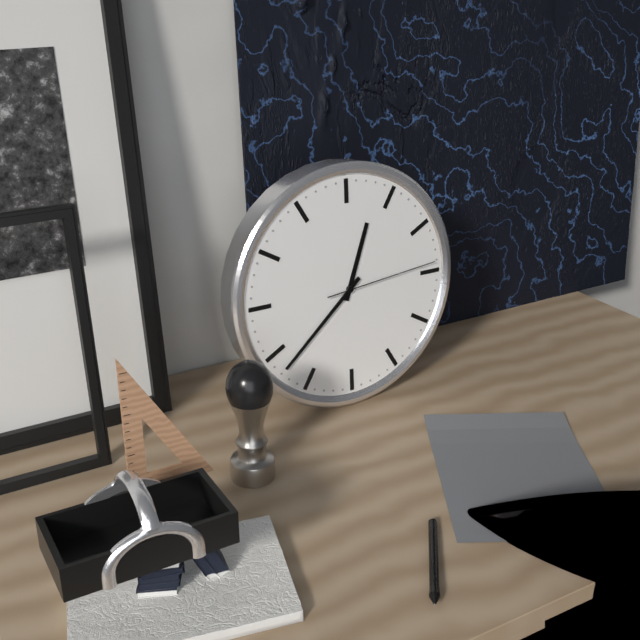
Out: h=12 m=38 s=14
